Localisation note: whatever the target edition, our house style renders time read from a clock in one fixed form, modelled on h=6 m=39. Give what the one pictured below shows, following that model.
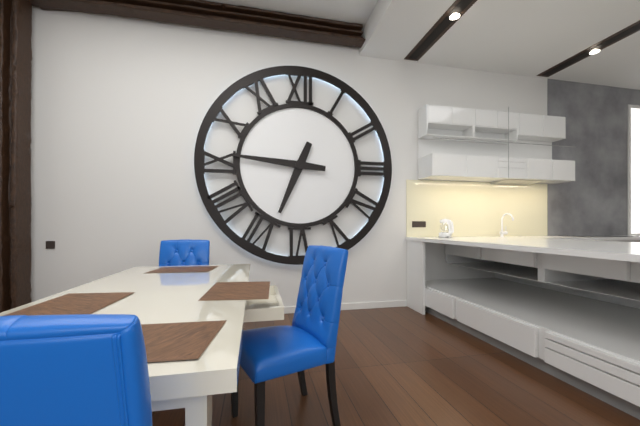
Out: h=6 m=46
